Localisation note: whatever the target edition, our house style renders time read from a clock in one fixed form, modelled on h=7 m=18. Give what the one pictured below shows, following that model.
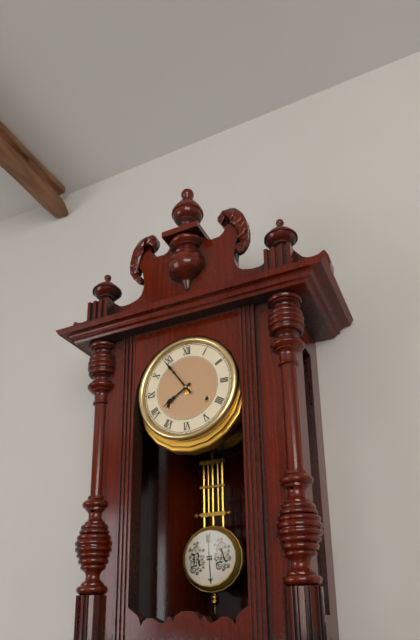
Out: h=7 m=54
